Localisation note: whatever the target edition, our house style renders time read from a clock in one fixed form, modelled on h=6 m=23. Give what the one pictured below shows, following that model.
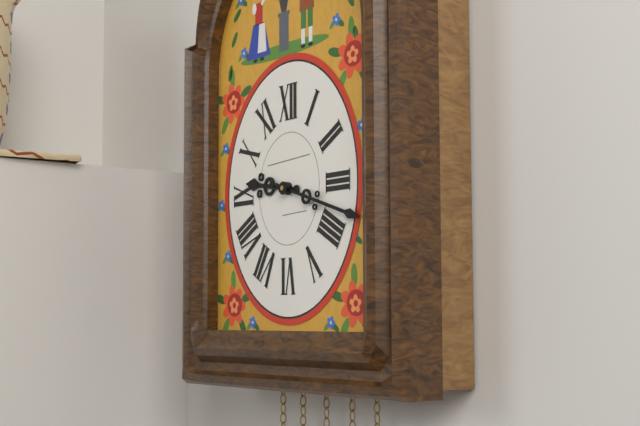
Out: h=9 m=18
